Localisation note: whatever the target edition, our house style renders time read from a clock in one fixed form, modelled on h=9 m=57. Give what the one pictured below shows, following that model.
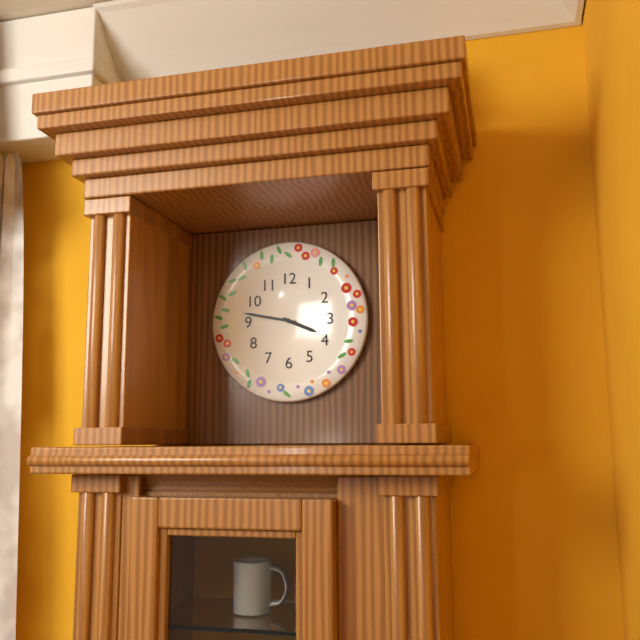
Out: h=3 m=47
